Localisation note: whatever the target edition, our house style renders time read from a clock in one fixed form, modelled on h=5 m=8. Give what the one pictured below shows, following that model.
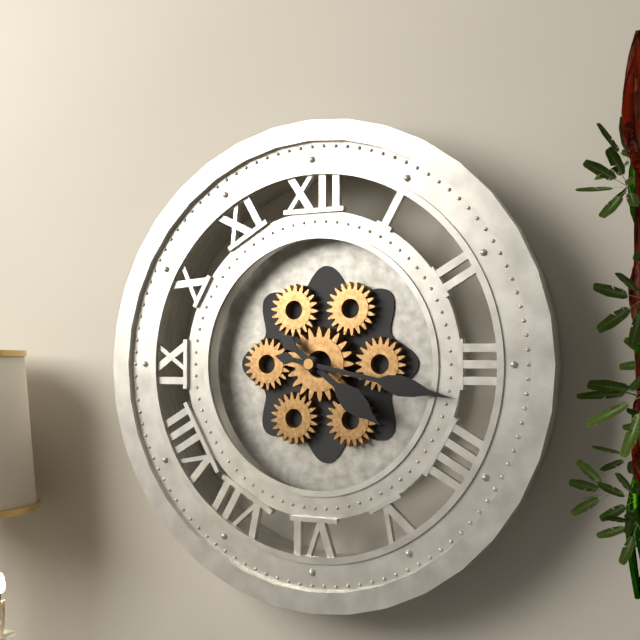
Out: h=4 m=17
